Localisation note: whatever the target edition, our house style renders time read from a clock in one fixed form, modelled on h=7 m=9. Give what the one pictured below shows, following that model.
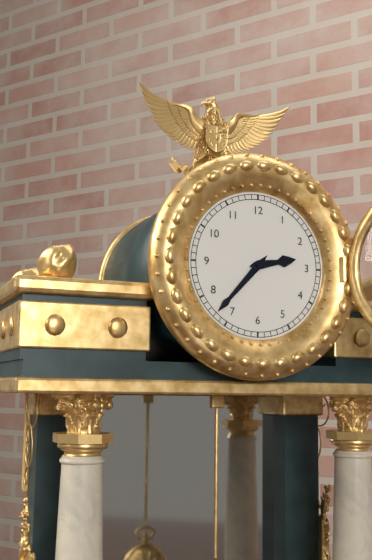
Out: h=2 m=37
